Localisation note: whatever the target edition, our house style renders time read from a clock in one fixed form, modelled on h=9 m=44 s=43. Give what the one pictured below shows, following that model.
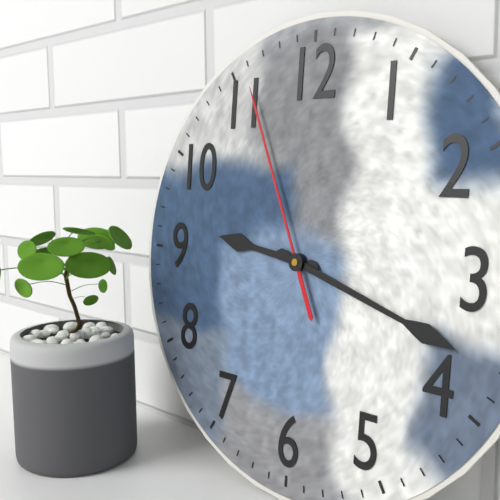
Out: h=9 m=18 s=56
